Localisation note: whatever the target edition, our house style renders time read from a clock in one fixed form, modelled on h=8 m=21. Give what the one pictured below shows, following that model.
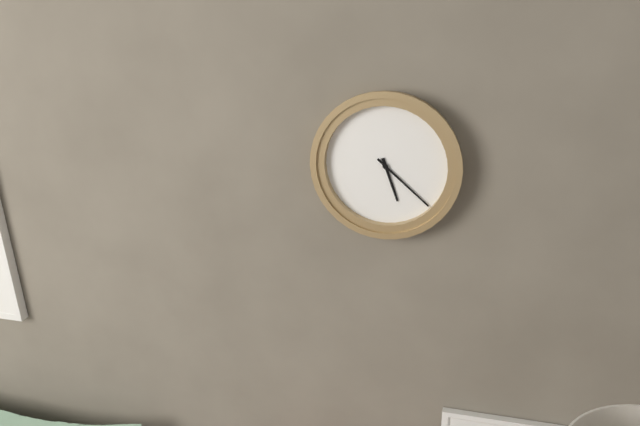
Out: h=5 m=22
